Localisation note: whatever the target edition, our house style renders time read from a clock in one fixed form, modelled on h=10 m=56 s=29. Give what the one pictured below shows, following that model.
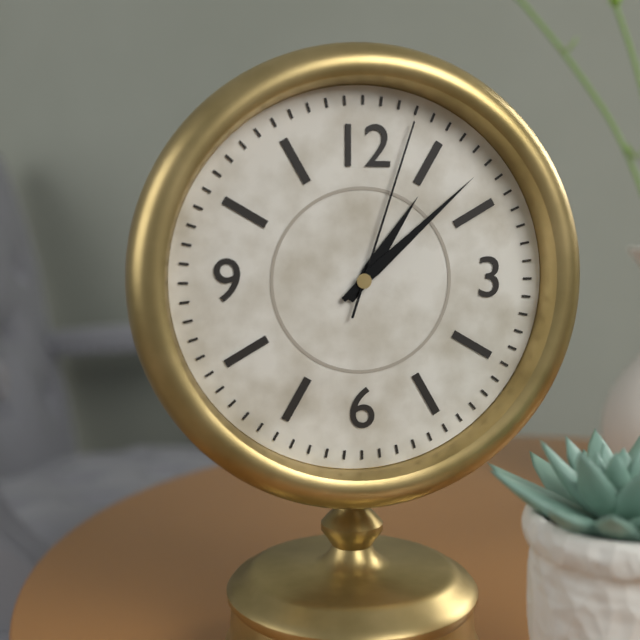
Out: h=1 m=8 s=3
